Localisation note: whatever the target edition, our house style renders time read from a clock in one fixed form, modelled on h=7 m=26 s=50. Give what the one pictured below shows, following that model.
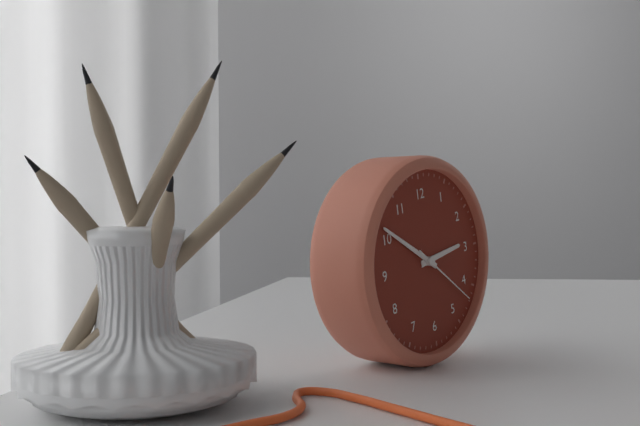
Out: h=2 m=51 s=22
